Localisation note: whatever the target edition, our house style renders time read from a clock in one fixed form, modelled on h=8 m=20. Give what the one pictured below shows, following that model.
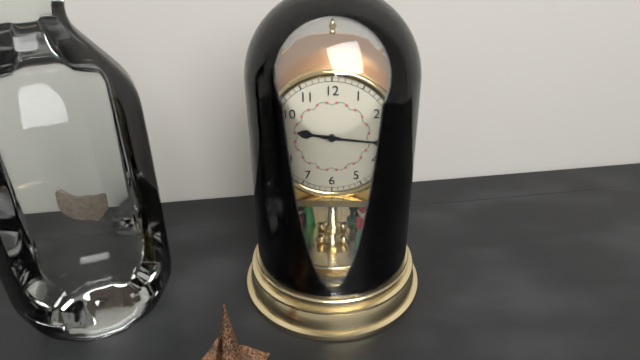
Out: h=9 m=16
